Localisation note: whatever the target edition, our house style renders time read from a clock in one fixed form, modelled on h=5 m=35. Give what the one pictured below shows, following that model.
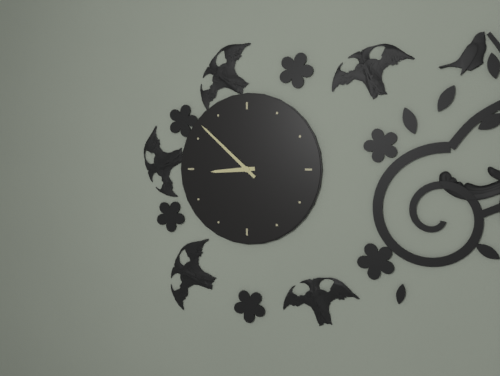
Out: h=8 m=52
